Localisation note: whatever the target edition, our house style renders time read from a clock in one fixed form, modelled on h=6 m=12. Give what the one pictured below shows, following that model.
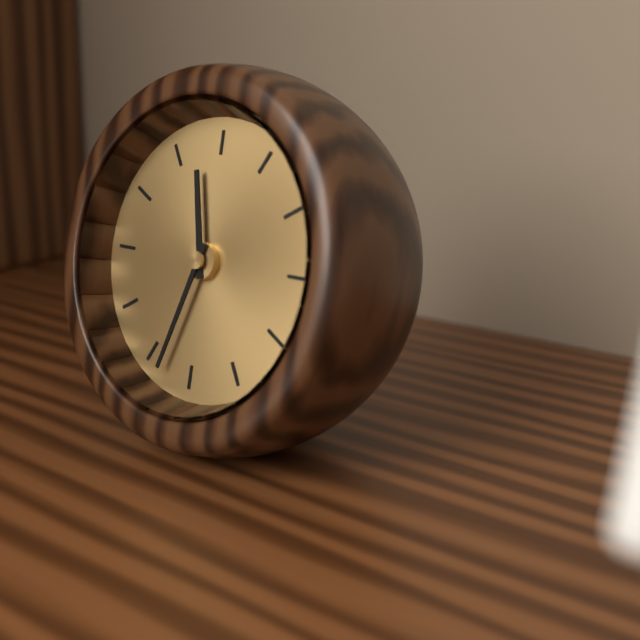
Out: h=11 m=33
